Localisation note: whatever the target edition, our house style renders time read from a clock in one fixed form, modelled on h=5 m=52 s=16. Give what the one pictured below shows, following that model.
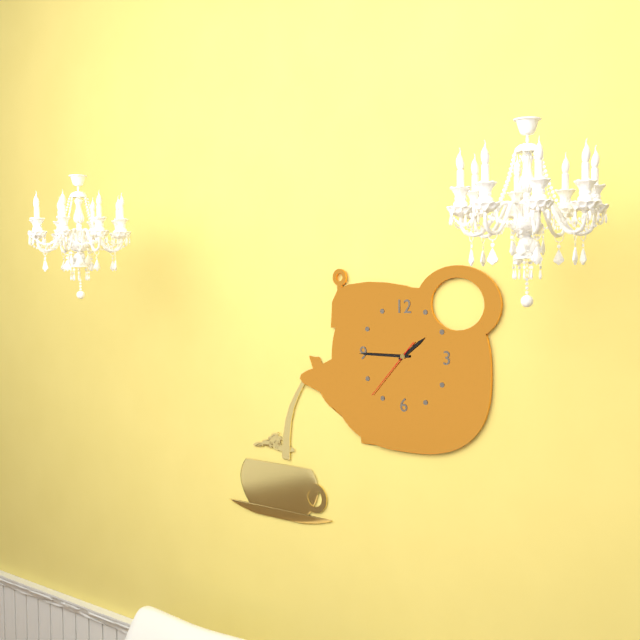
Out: h=1 m=45 s=37
